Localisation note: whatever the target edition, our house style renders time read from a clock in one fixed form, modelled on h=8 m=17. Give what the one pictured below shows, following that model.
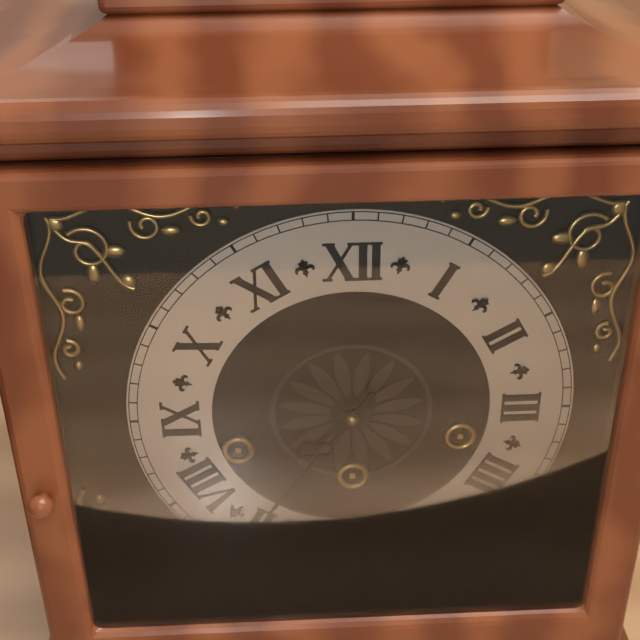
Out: h=7 m=36
